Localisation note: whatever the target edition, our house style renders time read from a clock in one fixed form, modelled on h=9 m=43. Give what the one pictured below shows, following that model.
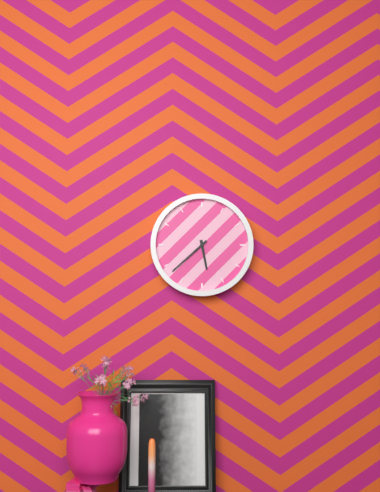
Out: h=5 m=38
